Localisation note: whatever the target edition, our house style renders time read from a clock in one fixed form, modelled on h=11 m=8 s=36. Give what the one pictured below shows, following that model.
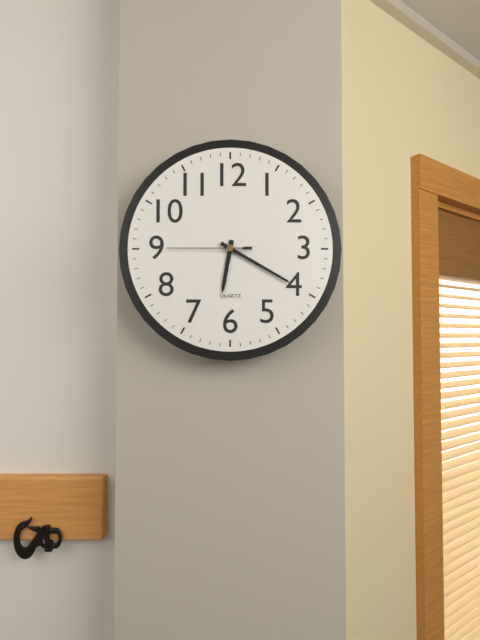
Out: h=6 m=20 s=45
